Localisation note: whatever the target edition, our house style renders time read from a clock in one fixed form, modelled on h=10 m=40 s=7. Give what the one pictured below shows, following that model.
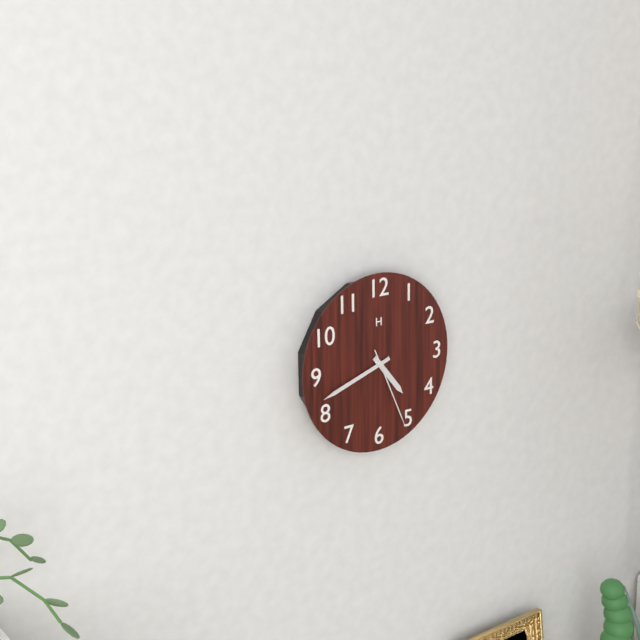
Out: h=4 m=42 s=26
